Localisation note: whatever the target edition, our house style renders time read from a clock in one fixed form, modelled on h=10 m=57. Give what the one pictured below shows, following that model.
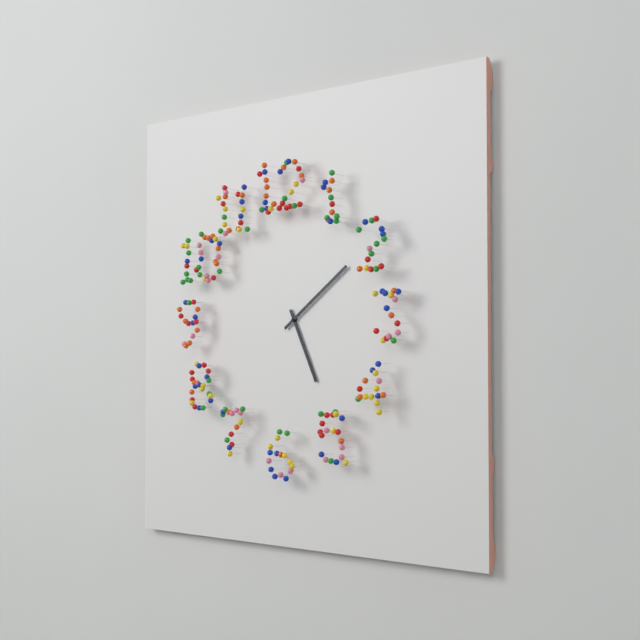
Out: h=5 m=9
